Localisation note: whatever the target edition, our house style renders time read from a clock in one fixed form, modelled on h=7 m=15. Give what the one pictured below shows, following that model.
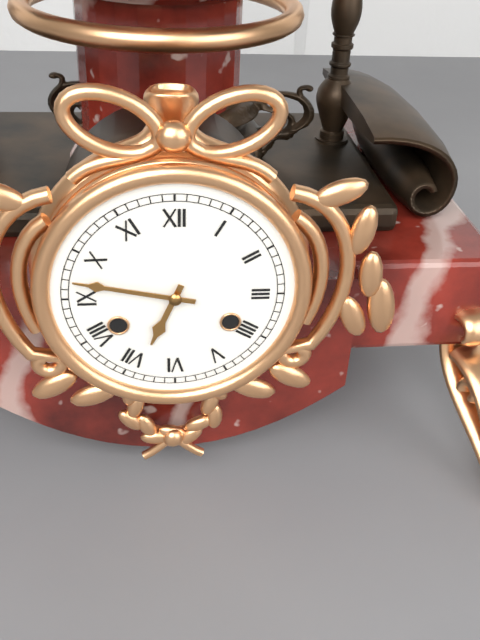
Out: h=6 m=47
